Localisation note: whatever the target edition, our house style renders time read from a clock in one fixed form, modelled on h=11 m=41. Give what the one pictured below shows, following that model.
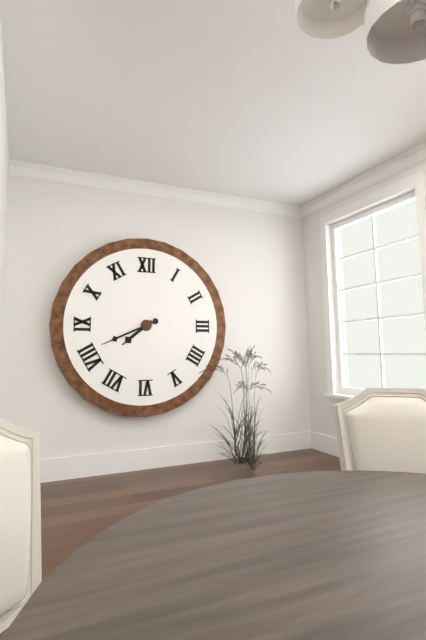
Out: h=7 m=41
